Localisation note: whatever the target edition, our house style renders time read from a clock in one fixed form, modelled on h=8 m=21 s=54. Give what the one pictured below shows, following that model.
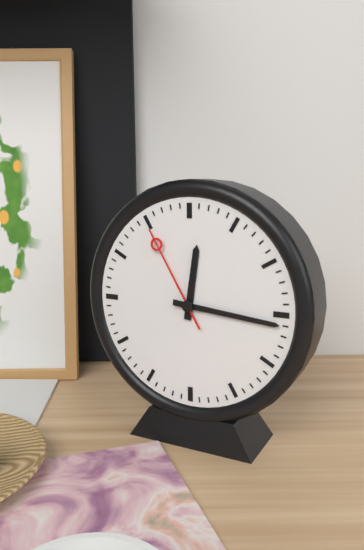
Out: h=12 m=16 s=55
